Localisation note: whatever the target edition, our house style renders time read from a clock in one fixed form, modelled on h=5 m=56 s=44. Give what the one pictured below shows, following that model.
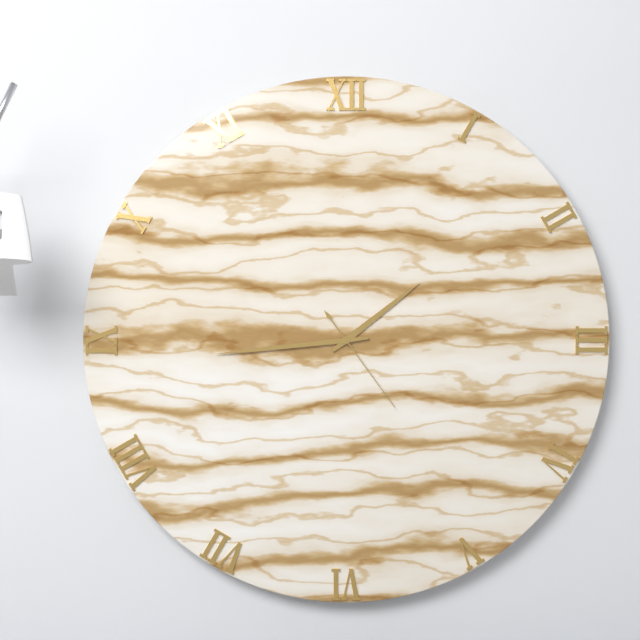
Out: h=1 m=44 s=24
